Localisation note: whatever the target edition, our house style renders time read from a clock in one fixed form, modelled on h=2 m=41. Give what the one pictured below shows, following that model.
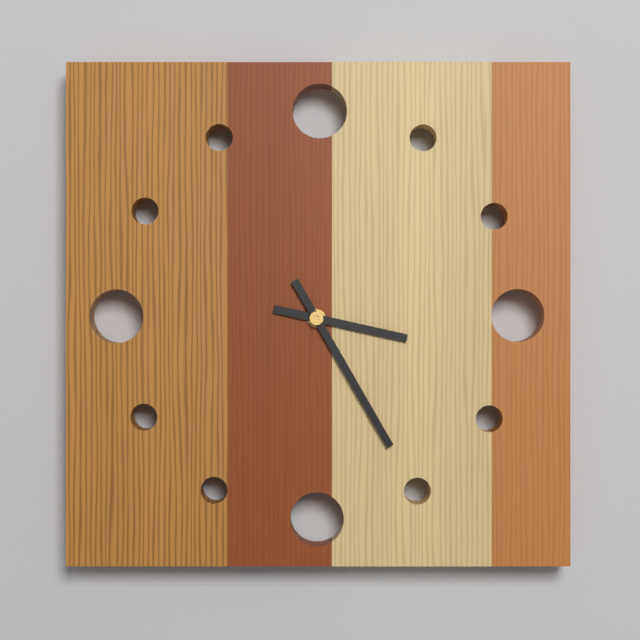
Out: h=3 m=25
